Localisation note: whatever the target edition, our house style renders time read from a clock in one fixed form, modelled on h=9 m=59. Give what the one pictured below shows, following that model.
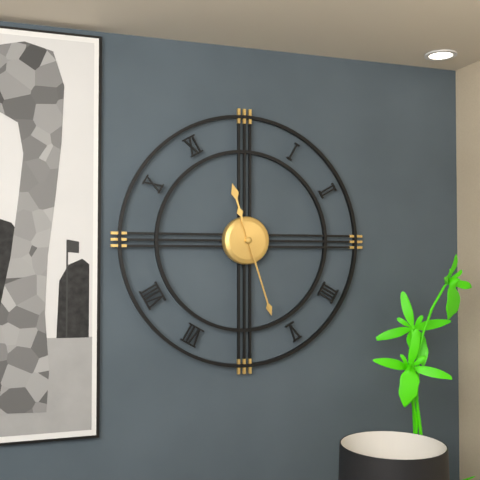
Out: h=11 m=27
